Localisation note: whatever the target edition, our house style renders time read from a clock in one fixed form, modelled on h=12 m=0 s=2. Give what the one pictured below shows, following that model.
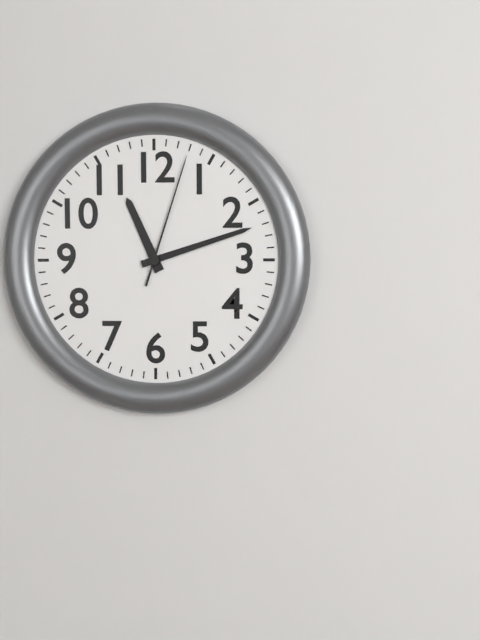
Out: h=11 m=12 s=3
